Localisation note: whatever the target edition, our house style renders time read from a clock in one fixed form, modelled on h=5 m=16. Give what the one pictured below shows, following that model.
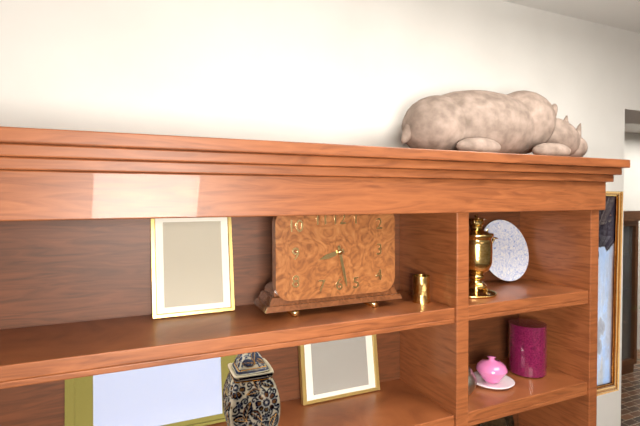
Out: h=8 m=28
